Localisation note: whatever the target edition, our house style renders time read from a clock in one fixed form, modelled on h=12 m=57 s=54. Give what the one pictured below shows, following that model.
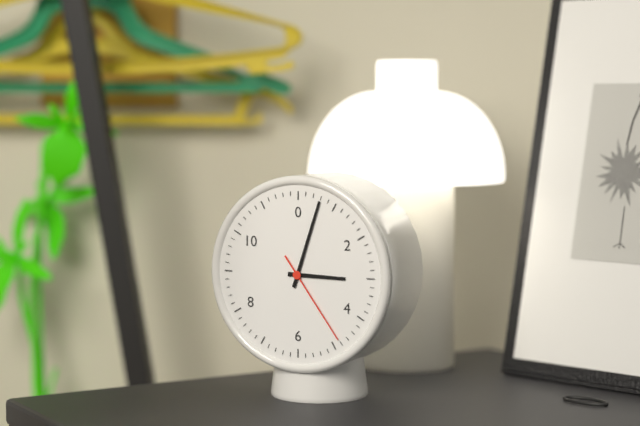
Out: h=3 m=3 s=24
